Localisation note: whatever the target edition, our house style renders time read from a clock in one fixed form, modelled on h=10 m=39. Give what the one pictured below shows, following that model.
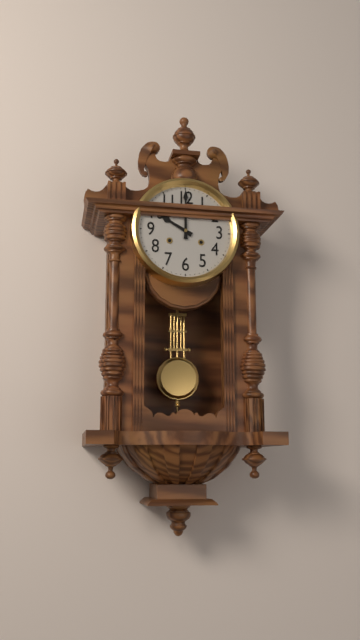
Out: h=10 m=0
